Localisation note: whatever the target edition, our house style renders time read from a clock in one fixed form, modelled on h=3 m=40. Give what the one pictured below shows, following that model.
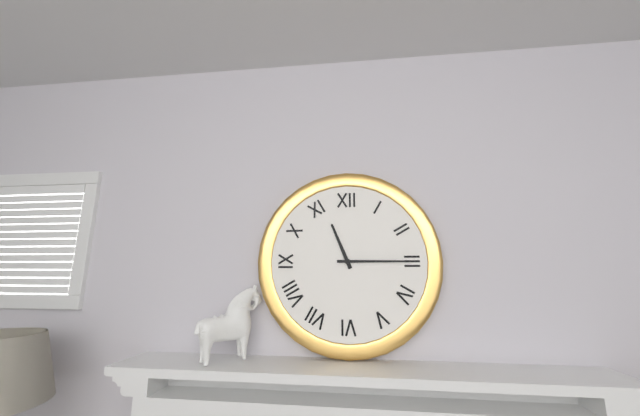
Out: h=11 m=15
